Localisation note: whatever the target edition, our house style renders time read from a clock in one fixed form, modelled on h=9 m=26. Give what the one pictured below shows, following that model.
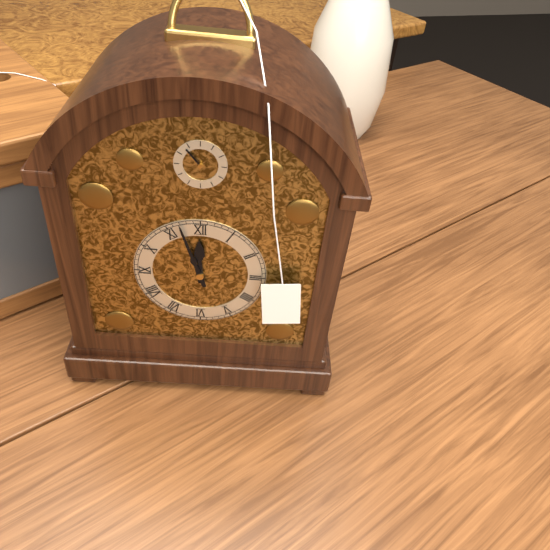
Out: h=11 m=57
